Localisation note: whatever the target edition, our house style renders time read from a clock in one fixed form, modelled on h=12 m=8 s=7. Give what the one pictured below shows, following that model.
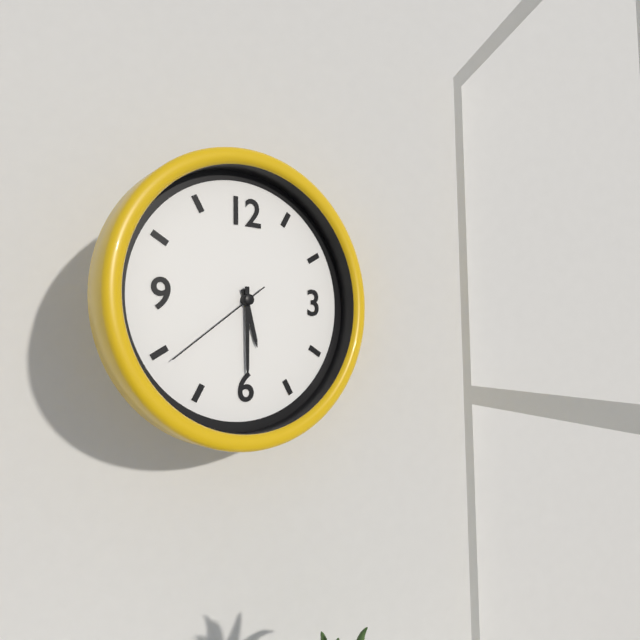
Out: h=5 m=30 s=39
